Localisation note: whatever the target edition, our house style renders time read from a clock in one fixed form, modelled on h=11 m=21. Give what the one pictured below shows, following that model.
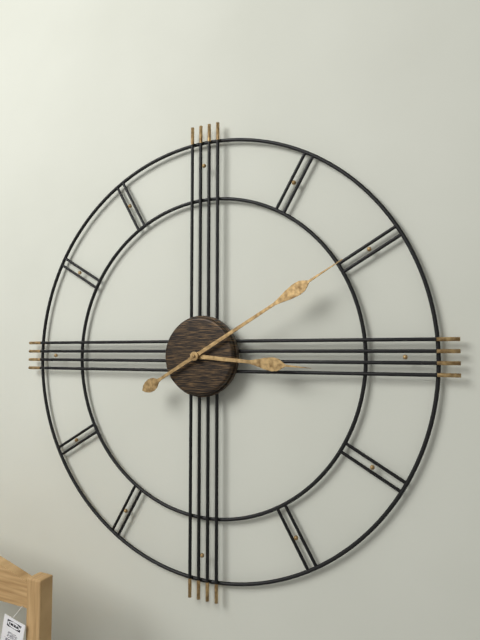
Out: h=3 m=10
